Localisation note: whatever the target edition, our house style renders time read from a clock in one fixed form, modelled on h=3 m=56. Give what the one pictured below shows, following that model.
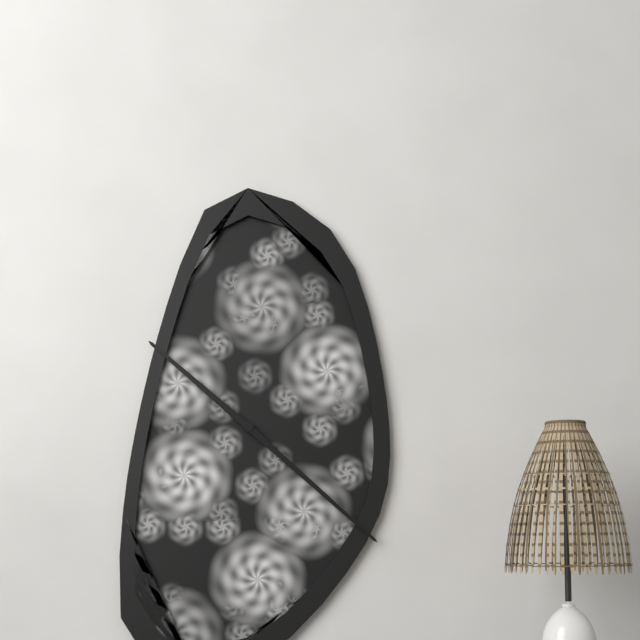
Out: h=10 m=22
